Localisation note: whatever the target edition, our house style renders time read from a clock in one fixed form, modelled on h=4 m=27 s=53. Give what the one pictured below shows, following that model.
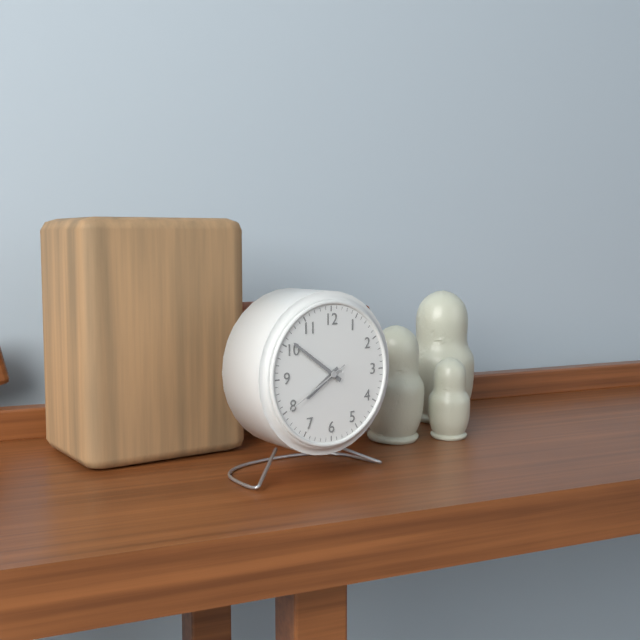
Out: h=7 m=51 s=40
